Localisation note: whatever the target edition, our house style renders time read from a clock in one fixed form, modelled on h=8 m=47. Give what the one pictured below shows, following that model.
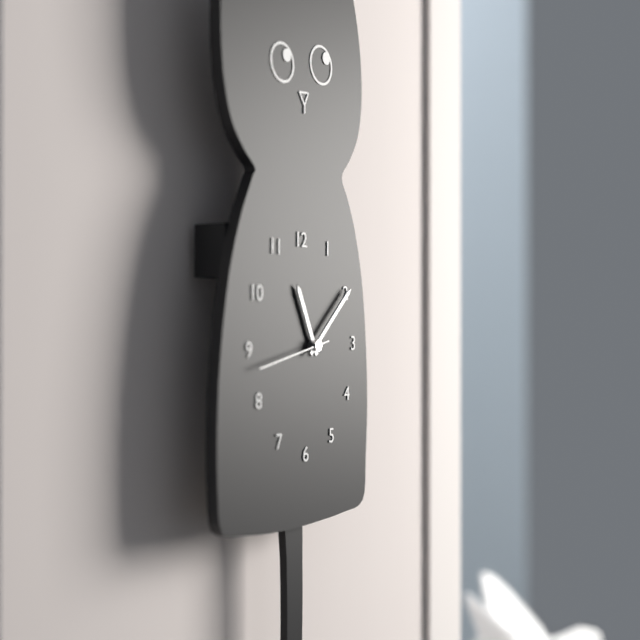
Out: h=11 m=8
